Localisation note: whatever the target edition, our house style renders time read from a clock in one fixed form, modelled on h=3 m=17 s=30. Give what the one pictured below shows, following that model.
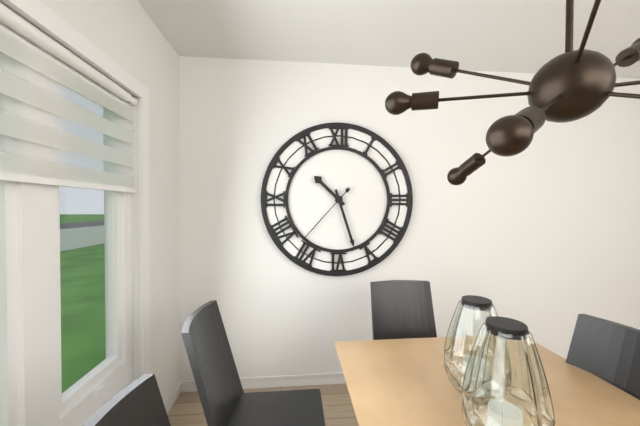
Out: h=10 m=27 s=37
